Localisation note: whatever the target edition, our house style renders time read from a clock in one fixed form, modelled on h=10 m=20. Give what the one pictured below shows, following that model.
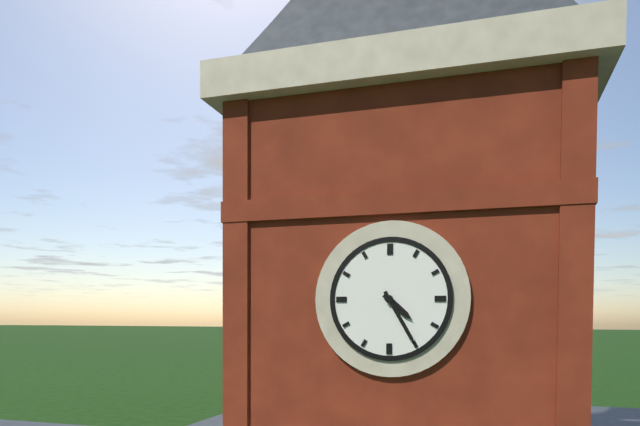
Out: h=4 m=25
